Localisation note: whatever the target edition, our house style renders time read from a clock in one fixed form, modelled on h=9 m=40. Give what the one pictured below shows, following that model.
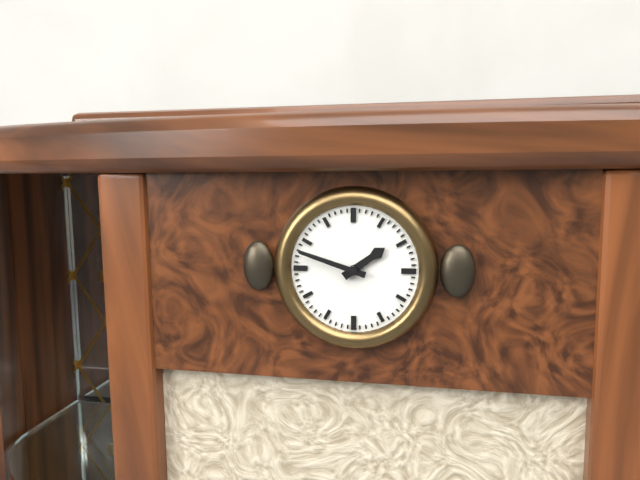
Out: h=1 m=48
